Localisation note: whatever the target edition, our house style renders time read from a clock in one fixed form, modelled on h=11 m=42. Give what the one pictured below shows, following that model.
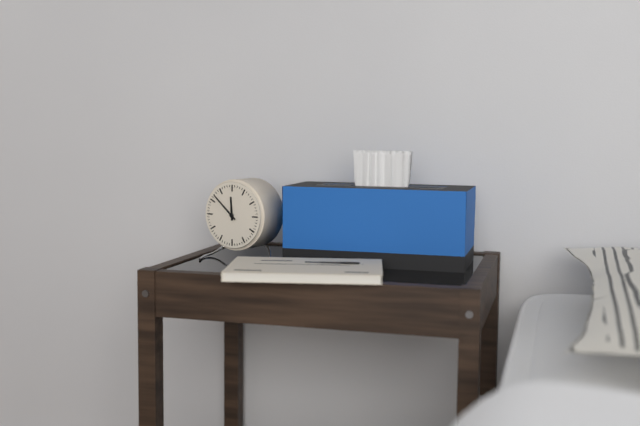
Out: h=11 m=52
